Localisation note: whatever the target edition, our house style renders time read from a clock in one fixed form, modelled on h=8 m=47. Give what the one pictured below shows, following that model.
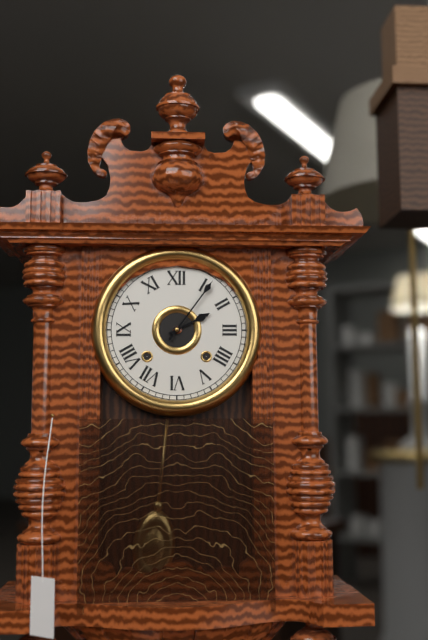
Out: h=2 m=6
